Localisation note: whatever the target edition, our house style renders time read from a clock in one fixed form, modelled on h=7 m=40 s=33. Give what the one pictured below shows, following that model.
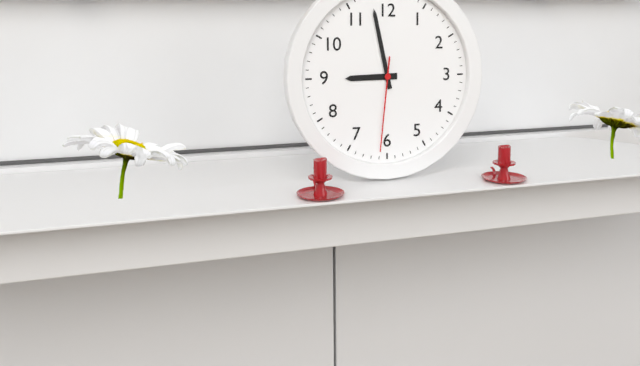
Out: h=8 m=58 s=31
